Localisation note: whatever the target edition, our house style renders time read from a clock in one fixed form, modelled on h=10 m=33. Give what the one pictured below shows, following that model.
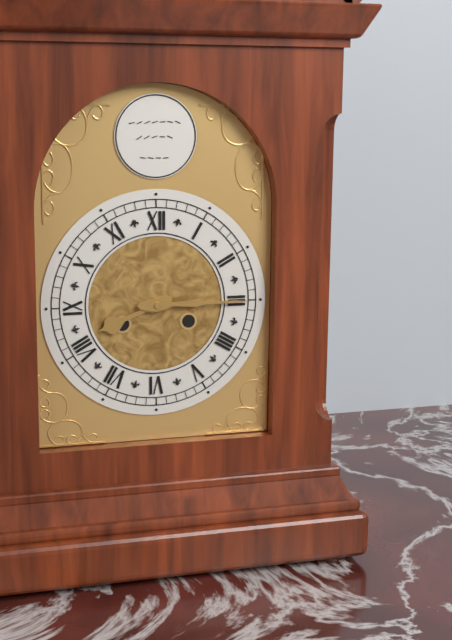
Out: h=8 m=15
